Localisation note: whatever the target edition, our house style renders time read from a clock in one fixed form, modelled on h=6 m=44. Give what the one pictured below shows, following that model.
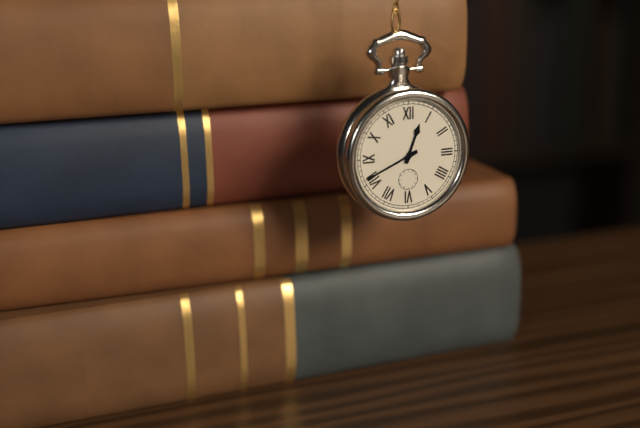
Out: h=12 m=41
